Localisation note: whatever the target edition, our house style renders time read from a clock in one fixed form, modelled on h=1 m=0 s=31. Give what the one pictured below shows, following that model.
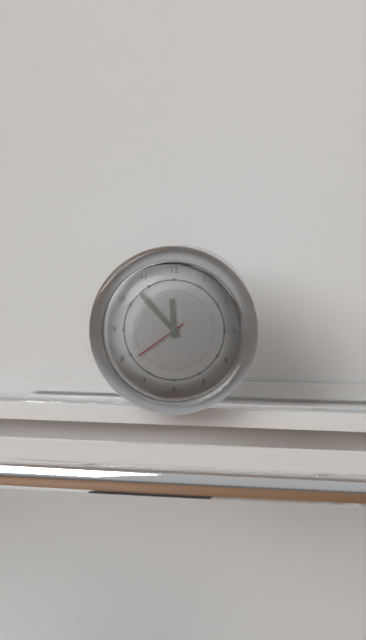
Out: h=11 m=53 s=39
